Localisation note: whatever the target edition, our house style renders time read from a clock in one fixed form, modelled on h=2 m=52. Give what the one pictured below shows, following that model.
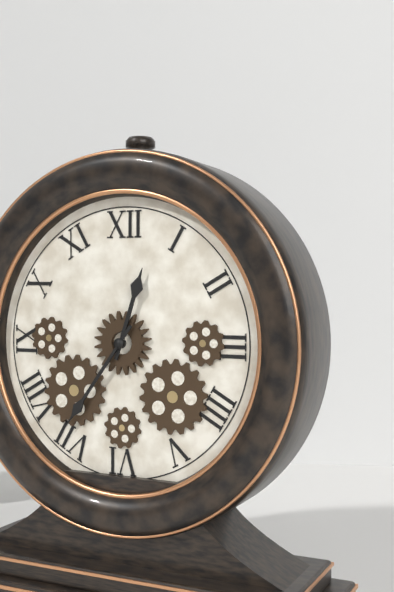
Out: h=12 m=36
